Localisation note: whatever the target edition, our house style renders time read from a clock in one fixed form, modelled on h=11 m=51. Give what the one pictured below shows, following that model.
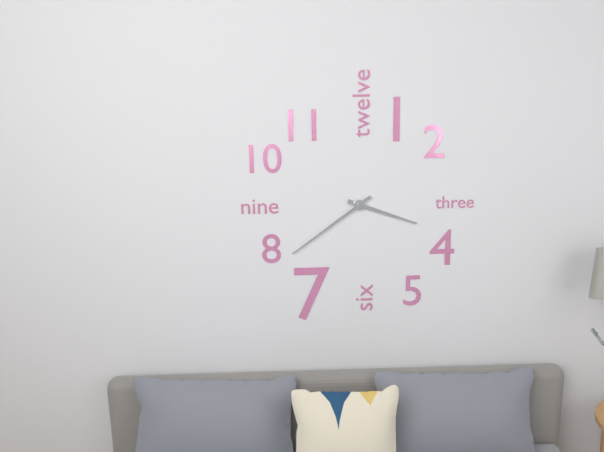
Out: h=3 m=39
